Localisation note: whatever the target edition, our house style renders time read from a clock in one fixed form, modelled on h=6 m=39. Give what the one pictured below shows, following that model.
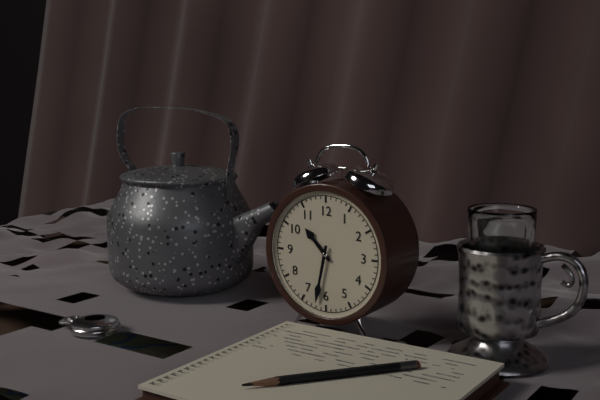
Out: h=10 m=32
